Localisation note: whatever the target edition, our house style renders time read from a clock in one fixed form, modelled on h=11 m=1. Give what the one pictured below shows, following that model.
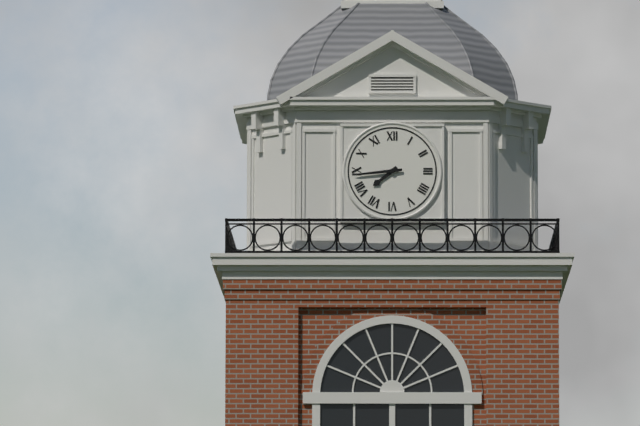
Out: h=7 m=44
